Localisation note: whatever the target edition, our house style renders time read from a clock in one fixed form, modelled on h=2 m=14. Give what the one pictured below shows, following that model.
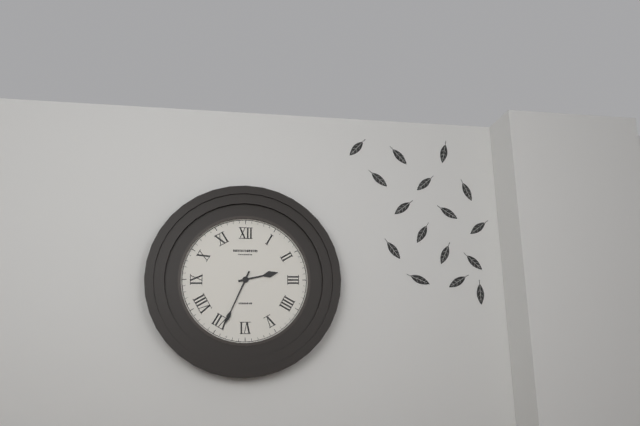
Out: h=2 m=34
